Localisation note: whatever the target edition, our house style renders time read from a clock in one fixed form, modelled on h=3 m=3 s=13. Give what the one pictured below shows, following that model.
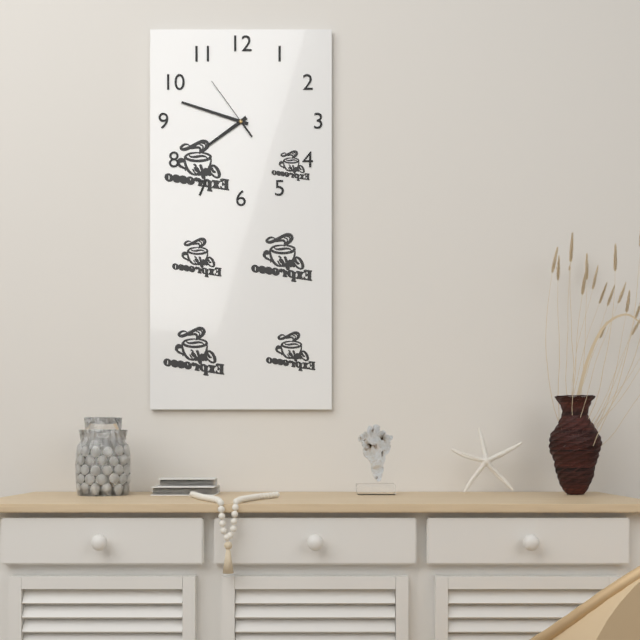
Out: h=7 m=48 s=54
